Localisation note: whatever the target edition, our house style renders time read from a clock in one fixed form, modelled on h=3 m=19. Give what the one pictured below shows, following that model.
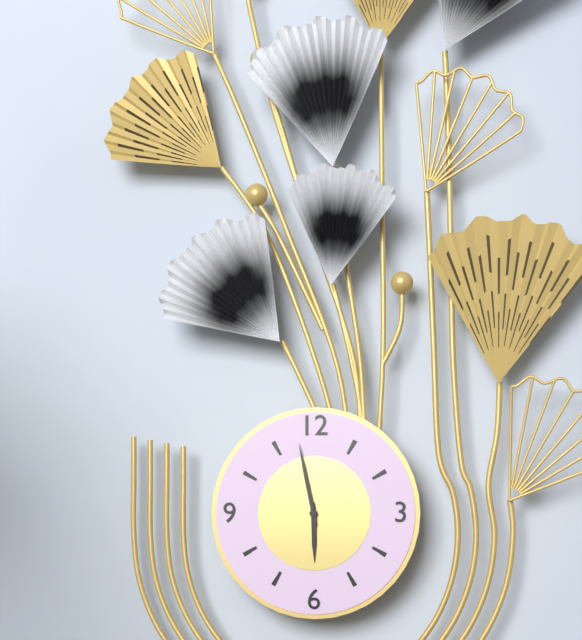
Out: h=5 m=58
